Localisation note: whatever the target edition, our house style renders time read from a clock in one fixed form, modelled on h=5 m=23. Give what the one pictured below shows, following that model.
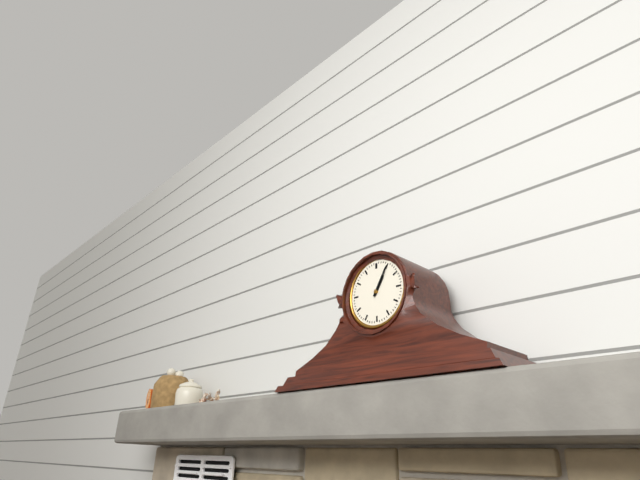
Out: h=1 m=5
